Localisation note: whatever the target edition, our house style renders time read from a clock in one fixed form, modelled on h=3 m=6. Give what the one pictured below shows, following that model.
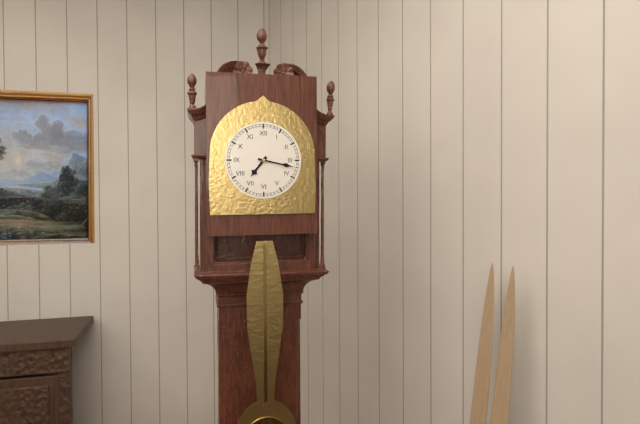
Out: h=7 m=17
